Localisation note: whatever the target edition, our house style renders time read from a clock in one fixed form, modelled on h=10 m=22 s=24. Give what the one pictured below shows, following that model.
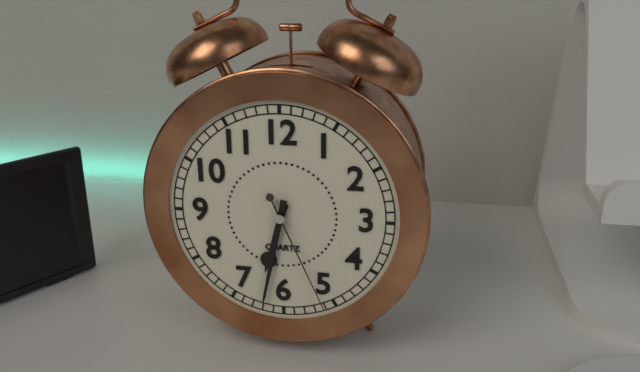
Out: h=6 m=32 s=26
